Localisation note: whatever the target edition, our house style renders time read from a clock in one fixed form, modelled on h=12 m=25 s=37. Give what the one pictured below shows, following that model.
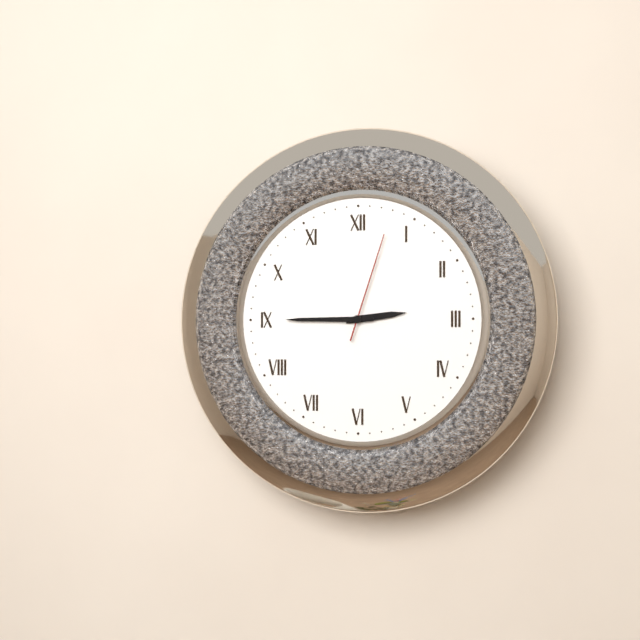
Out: h=2 m=45 s=3
